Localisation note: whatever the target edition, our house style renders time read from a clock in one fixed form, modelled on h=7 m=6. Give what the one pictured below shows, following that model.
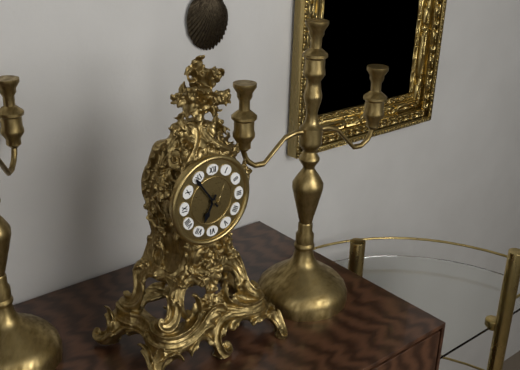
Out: h=6 m=54
